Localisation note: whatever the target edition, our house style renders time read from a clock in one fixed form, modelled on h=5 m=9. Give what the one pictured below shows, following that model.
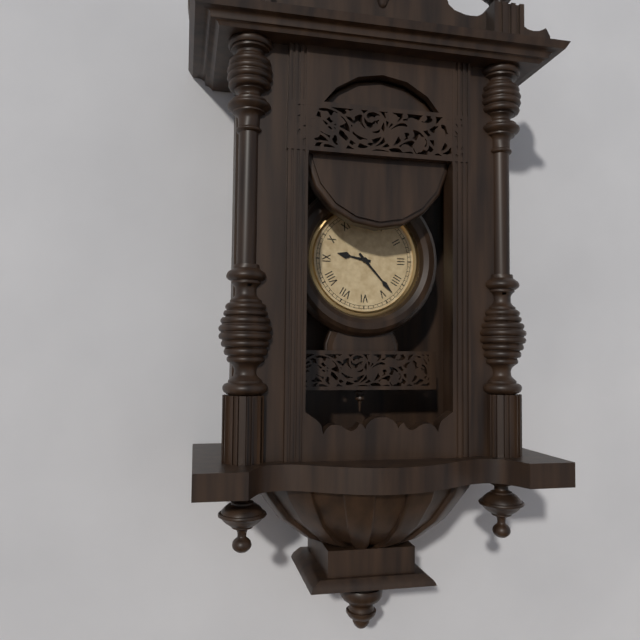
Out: h=9 m=23
